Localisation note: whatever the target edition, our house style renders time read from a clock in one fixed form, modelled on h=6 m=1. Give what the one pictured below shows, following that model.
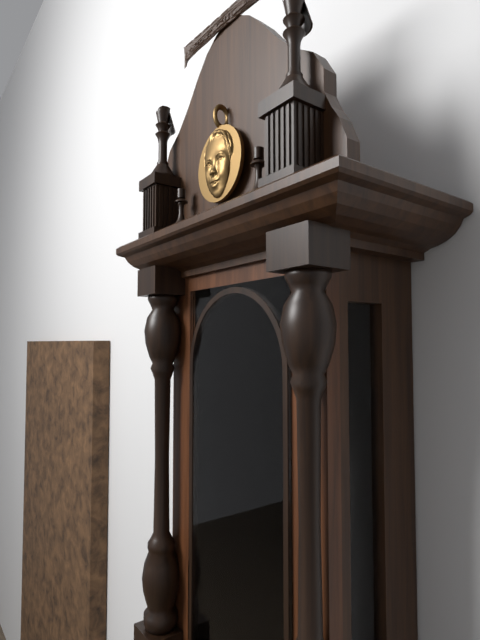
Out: h=3 m=54
